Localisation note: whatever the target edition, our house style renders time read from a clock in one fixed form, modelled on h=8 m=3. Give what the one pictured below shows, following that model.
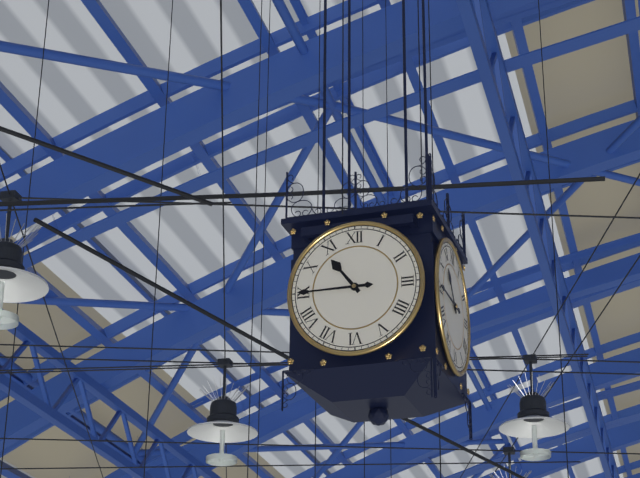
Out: h=10 m=45
